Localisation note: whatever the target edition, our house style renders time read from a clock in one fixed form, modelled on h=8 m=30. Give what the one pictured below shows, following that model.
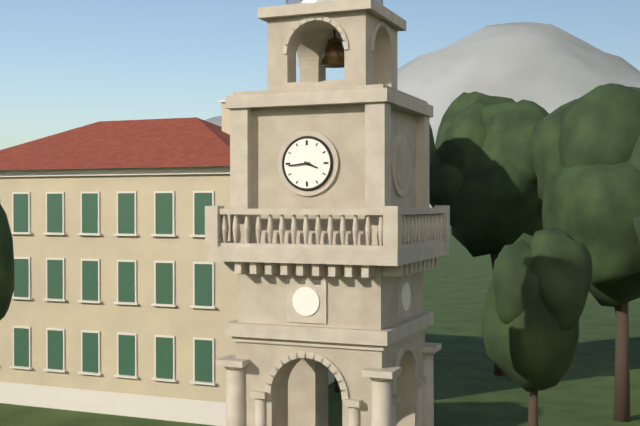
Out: h=3 m=44
